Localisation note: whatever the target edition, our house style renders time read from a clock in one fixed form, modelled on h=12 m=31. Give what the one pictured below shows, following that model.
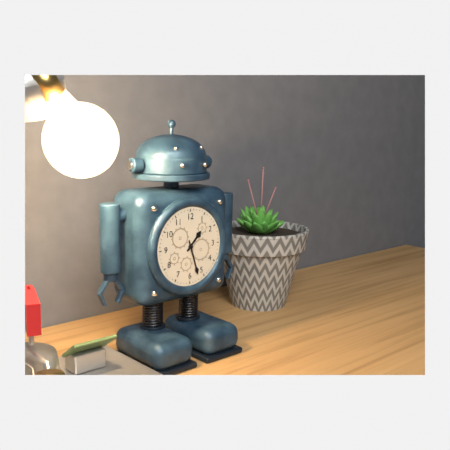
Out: h=1 m=27
